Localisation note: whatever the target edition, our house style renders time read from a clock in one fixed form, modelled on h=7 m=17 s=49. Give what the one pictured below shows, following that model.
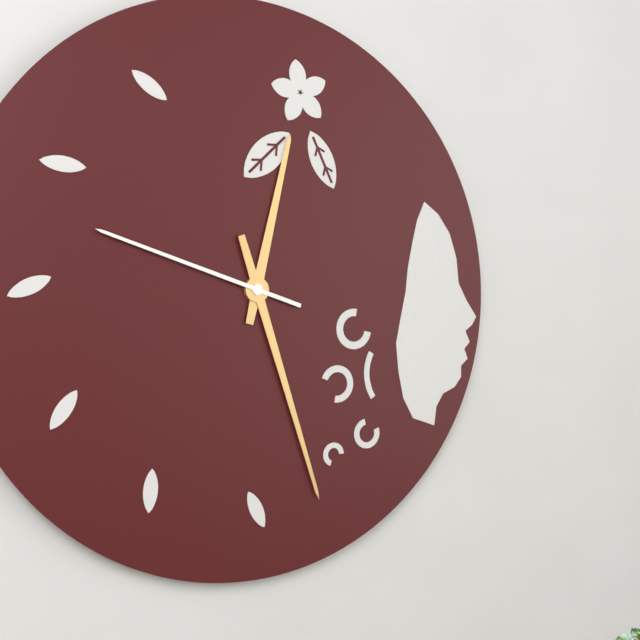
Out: h=12 m=27 s=48
